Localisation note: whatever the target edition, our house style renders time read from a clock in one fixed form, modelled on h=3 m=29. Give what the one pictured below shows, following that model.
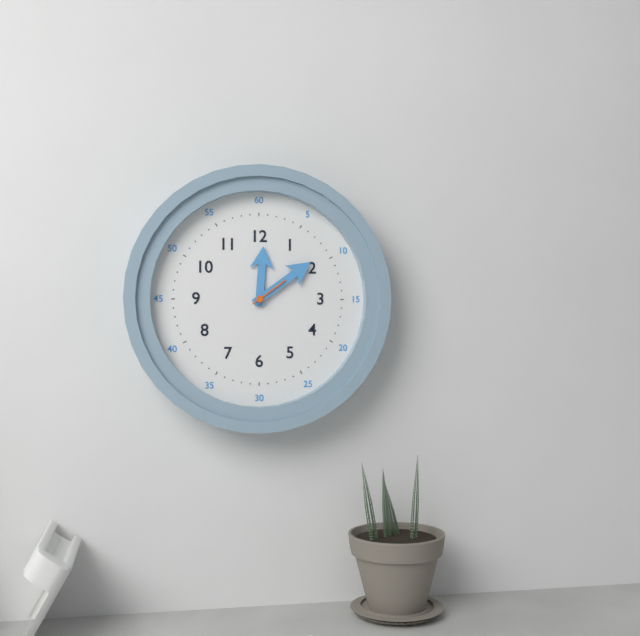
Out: h=12 m=9
